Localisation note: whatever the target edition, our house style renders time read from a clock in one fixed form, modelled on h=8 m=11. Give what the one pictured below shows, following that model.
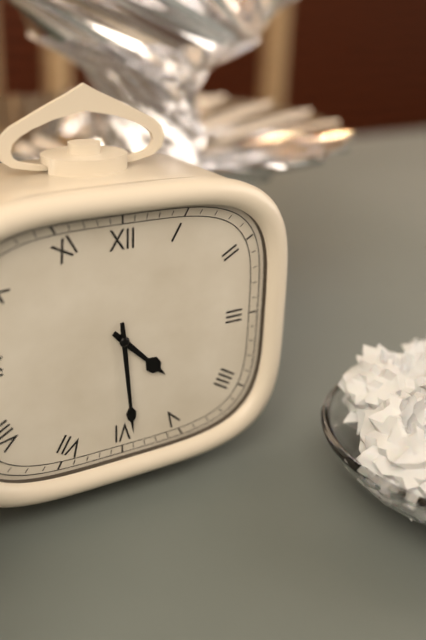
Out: h=4 m=29
